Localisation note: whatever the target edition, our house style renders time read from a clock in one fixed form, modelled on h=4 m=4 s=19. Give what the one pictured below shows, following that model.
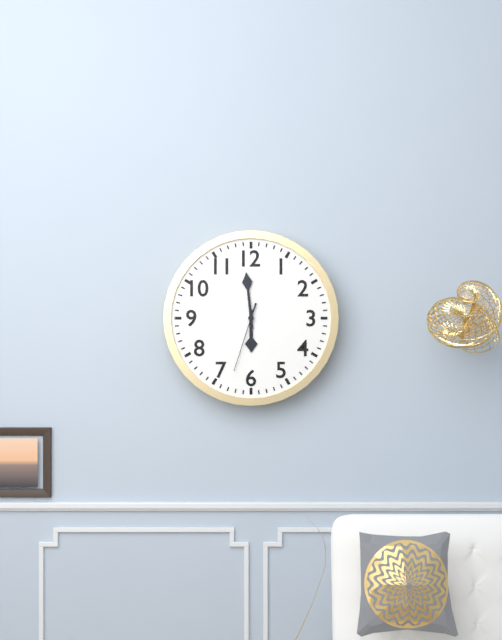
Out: h=5 m=59 s=33
